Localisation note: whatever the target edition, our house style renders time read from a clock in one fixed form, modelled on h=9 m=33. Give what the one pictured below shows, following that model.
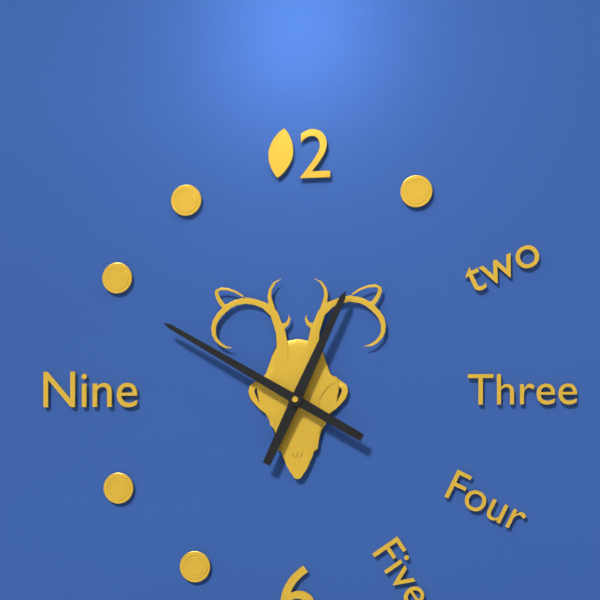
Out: h=12 m=50
